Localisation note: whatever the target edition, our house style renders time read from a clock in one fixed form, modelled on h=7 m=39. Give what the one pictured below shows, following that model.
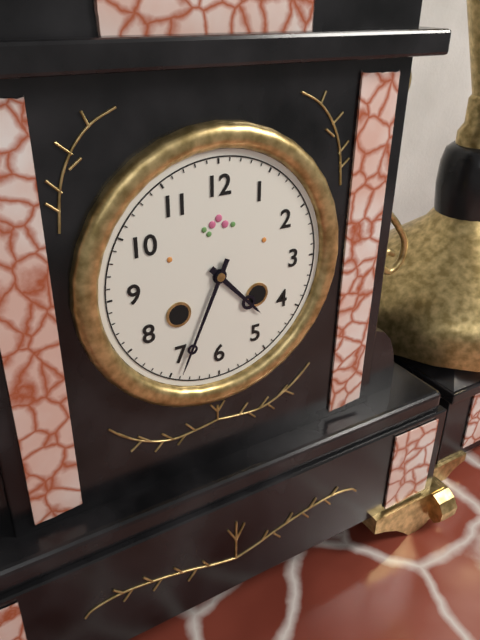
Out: h=4 m=34
